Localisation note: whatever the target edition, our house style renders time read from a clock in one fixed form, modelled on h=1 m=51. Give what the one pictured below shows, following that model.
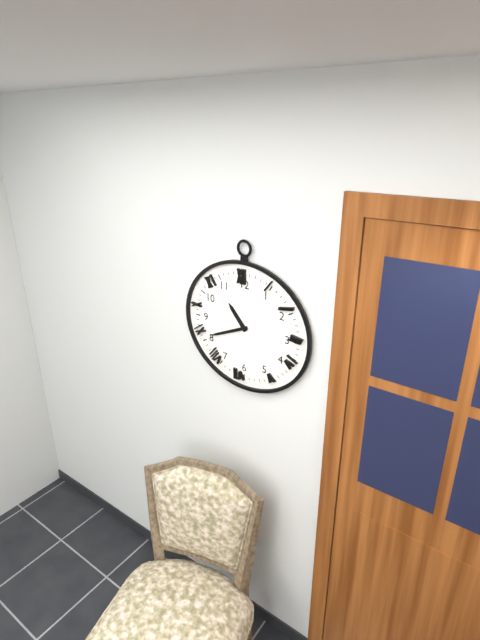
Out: h=10 m=41
